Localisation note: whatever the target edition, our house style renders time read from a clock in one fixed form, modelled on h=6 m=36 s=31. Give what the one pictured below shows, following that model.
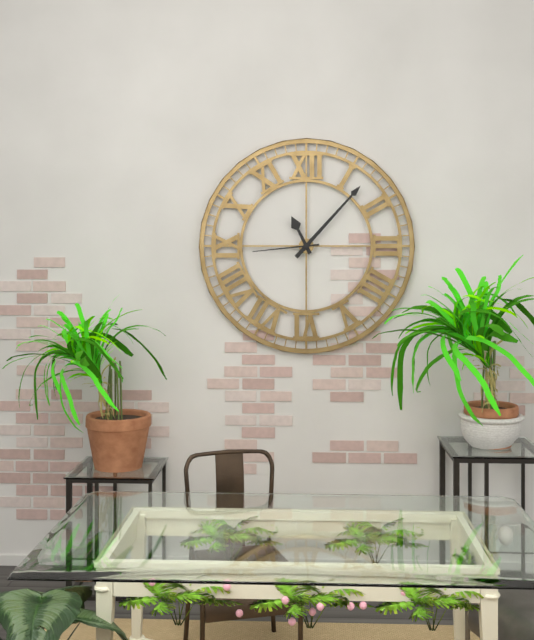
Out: h=11 m=7 s=44
